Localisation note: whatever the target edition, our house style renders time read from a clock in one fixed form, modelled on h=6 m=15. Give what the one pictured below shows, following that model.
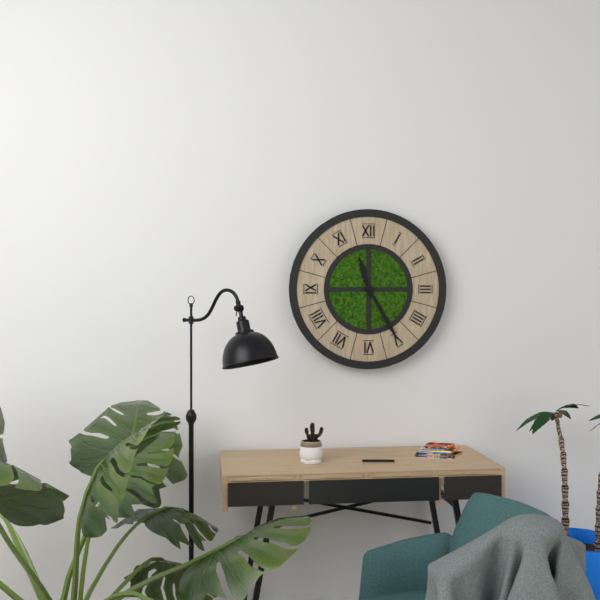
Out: h=11 m=25
